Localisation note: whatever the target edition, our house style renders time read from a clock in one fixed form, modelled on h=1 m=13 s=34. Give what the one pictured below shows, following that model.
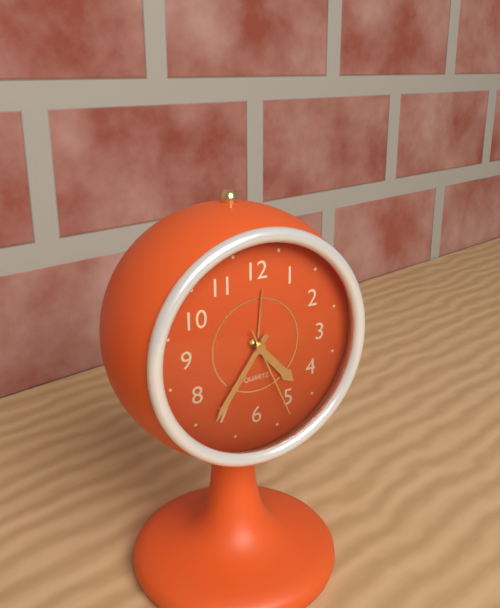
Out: h=4 m=36 s=26
